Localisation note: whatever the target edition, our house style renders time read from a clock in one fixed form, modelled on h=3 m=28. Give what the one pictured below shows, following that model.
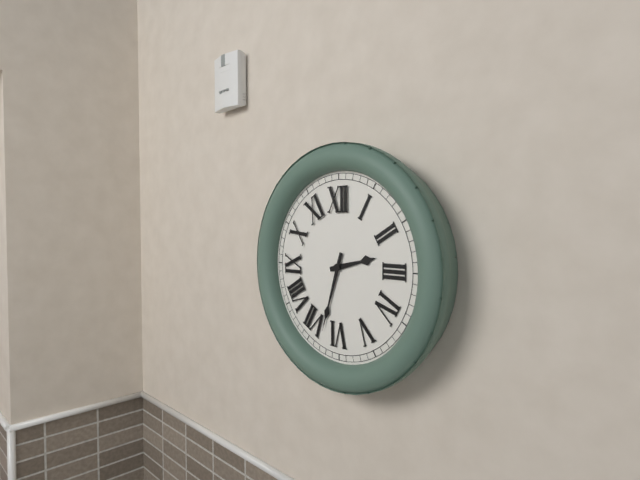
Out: h=2 m=33
